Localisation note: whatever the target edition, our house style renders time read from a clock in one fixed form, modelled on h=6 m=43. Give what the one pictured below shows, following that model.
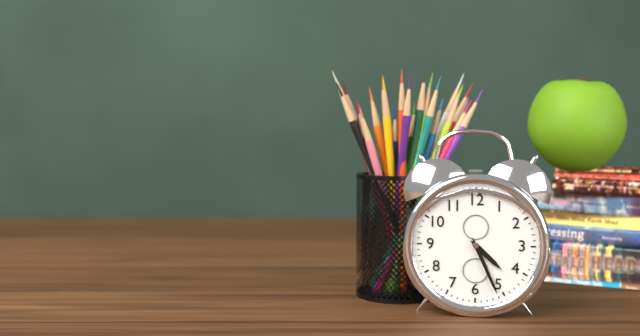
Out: h=4 m=26
